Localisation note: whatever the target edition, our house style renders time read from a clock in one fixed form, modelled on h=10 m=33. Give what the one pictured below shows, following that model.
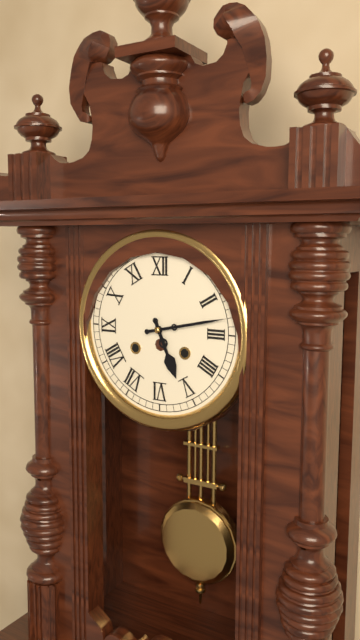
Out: h=5 m=13
